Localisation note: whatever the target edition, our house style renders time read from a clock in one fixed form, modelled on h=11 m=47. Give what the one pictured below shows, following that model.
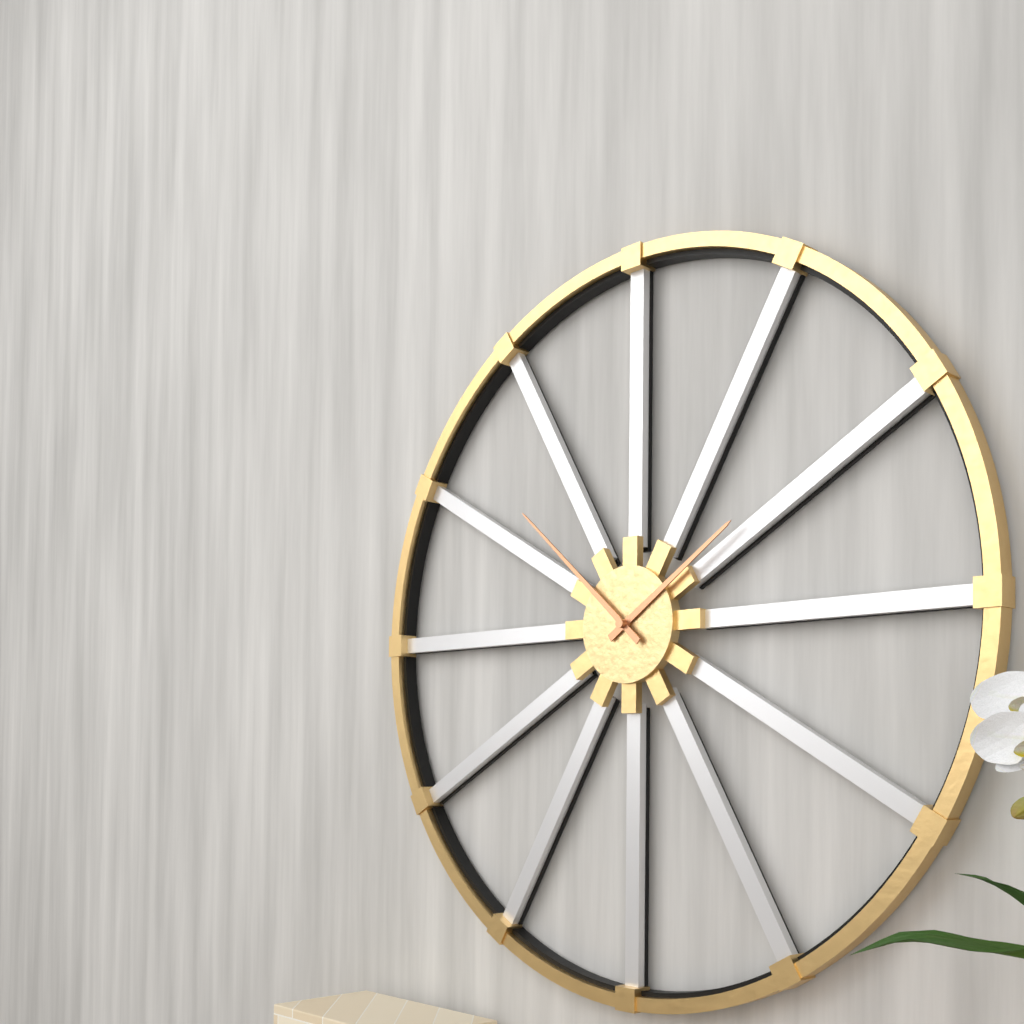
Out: h=1 m=52
